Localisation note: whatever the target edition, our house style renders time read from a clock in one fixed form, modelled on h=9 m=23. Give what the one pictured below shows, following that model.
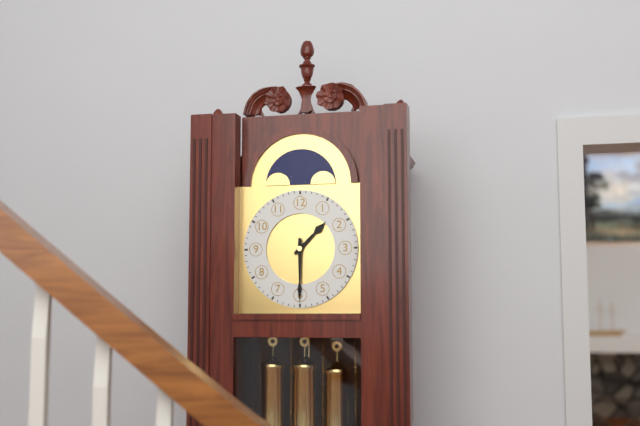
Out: h=1 m=30
